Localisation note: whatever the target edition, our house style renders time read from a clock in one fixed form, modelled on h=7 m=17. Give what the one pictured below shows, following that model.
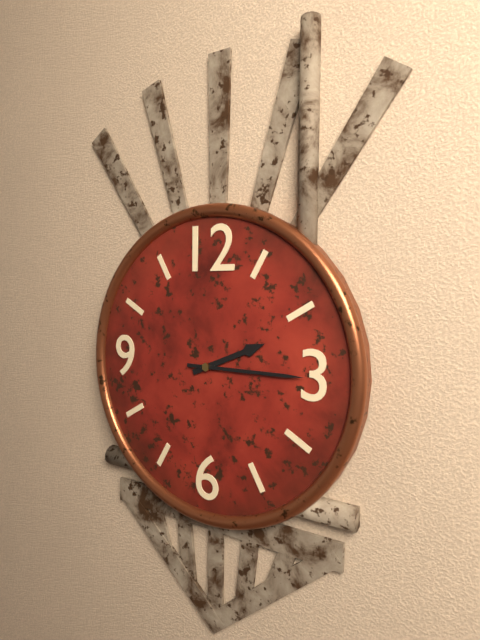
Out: h=2 m=15
